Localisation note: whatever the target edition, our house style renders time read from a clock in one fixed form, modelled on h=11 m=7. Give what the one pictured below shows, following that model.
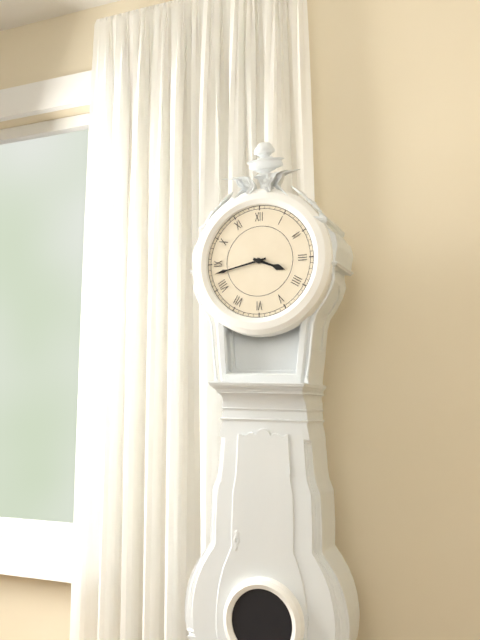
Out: h=3 m=43
